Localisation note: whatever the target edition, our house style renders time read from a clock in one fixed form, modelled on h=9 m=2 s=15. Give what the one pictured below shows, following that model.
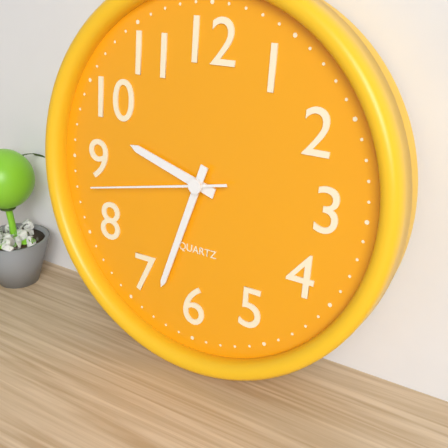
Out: h=9 m=33 s=43
